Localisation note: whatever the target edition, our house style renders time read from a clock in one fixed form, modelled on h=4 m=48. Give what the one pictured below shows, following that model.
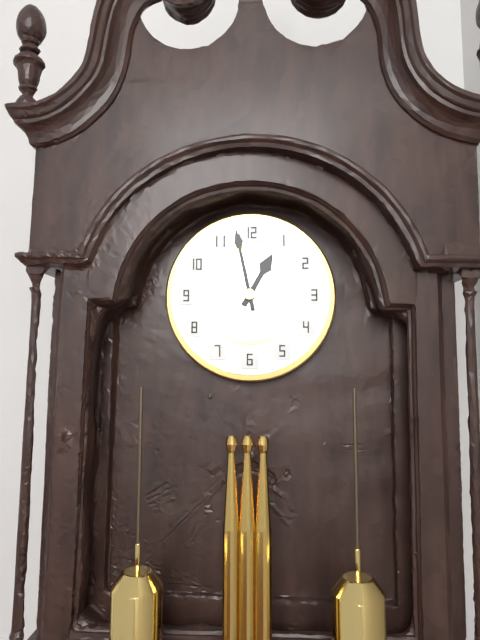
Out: h=12 m=58
